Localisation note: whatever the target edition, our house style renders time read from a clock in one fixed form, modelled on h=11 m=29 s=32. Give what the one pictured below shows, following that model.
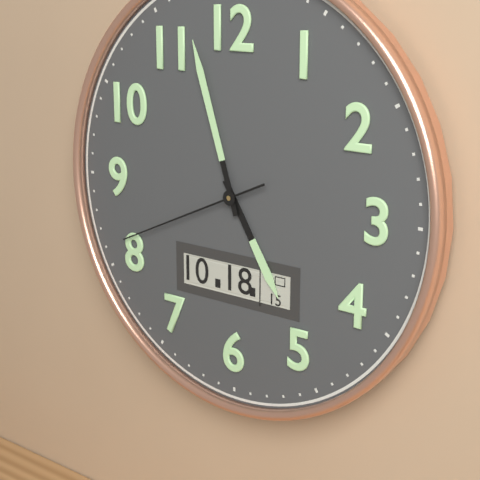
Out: h=4 m=57 s=41
